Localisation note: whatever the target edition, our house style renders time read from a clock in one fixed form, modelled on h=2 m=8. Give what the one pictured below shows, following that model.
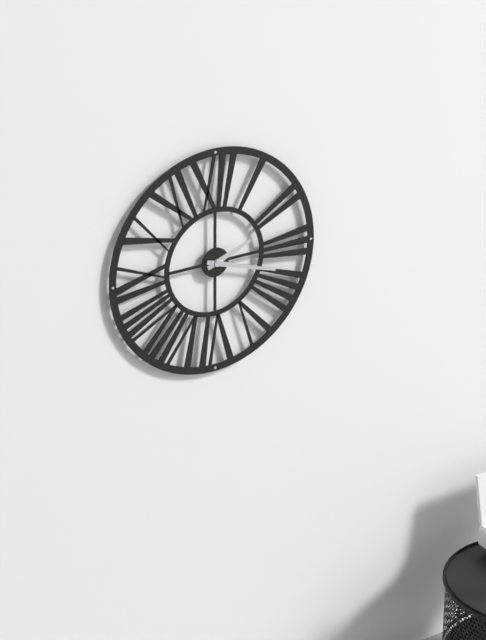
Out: h=2 m=18
